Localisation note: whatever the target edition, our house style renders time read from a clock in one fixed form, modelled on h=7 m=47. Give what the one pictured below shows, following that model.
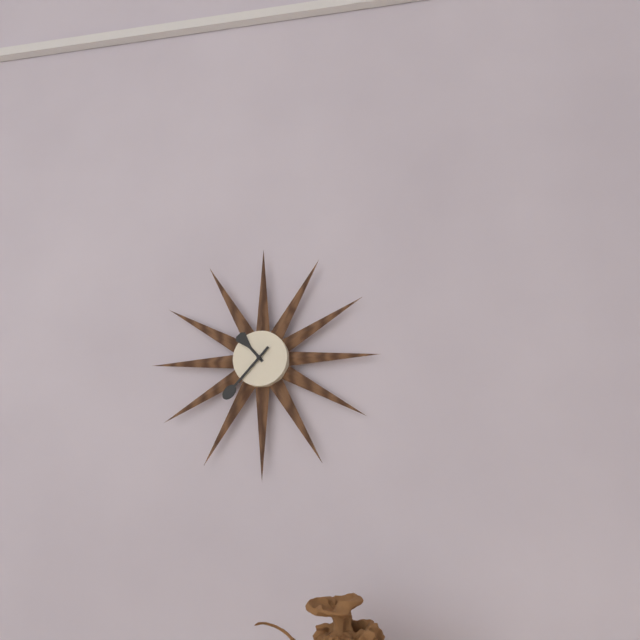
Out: h=10 m=37
